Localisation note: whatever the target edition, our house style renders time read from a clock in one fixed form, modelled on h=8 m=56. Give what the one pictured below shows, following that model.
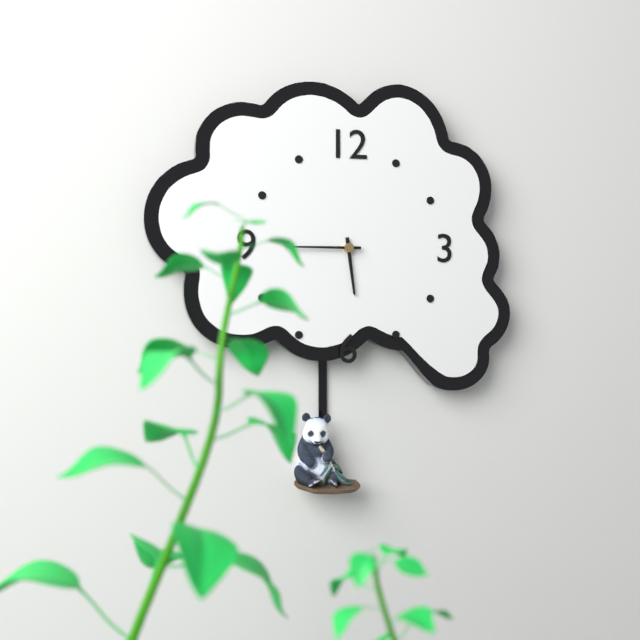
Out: h=5 m=45
